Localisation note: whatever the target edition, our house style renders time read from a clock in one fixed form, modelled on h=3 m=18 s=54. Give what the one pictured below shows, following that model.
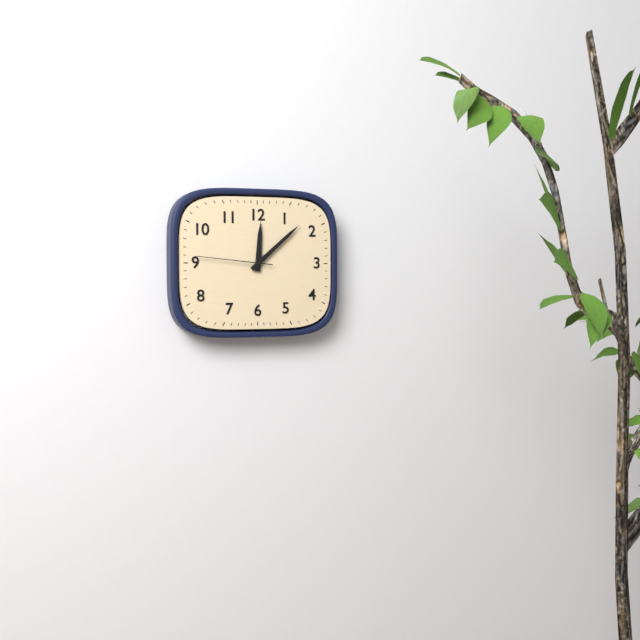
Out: h=12 m=8 s=46
